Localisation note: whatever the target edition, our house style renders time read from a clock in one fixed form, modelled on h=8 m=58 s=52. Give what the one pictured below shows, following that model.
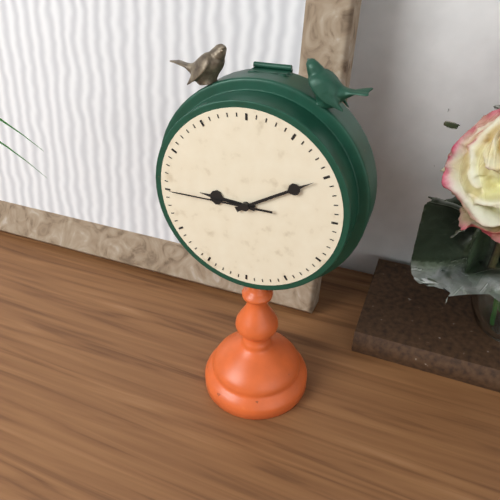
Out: h=9 m=10 s=45
